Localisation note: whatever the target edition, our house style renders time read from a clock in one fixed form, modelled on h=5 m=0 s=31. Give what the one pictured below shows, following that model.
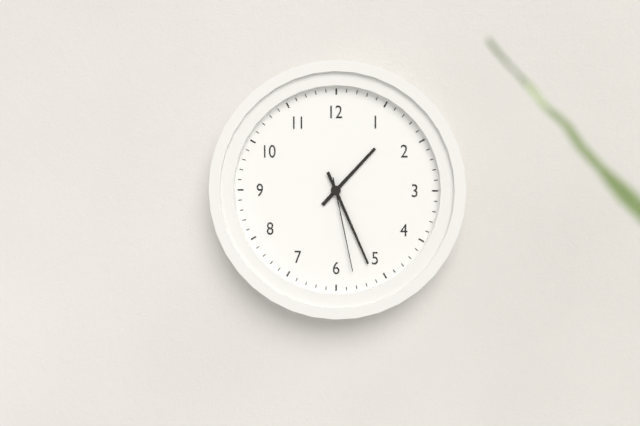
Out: h=1 m=26 s=28
